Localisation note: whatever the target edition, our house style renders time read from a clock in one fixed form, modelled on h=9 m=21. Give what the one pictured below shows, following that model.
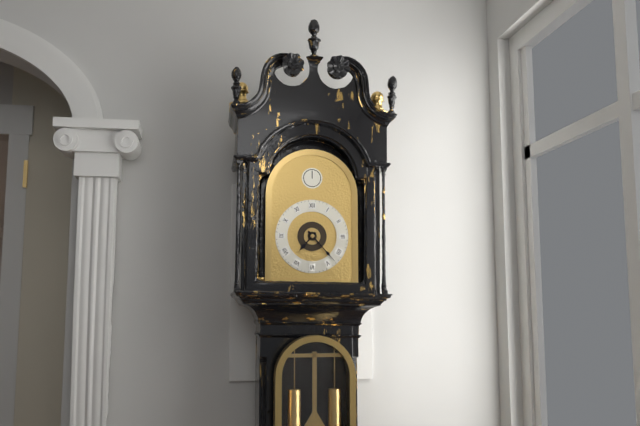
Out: h=7 m=23
